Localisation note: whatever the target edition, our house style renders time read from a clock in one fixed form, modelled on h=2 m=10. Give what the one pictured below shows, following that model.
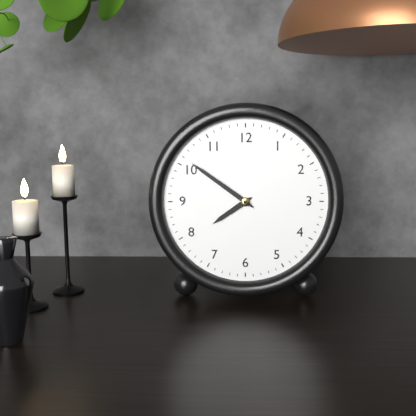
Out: h=7 m=51
